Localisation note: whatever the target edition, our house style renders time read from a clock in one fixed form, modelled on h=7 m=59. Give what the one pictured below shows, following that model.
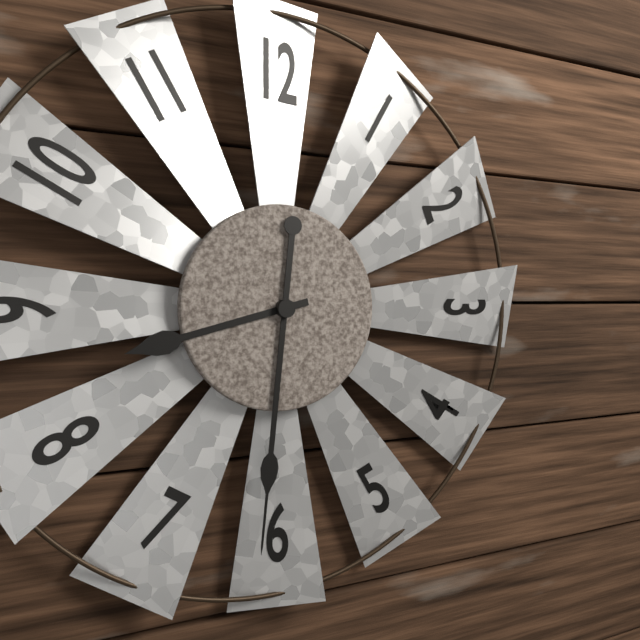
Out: h=8 m=31
